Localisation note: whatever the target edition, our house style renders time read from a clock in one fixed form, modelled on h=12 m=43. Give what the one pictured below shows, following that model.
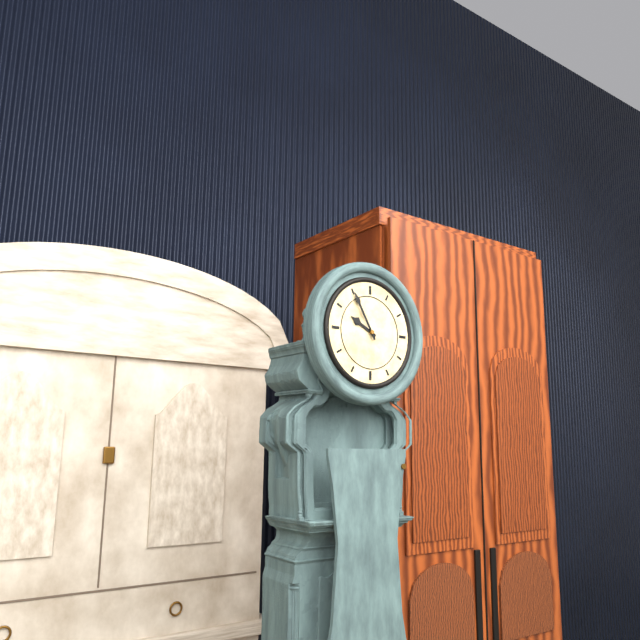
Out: h=9 m=55
